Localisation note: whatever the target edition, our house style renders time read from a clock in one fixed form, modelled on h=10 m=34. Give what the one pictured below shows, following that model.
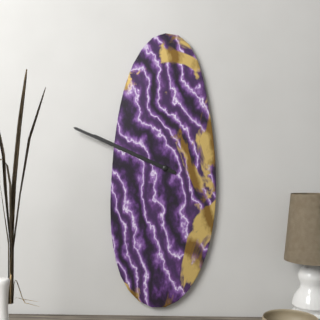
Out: h=9 m=49
